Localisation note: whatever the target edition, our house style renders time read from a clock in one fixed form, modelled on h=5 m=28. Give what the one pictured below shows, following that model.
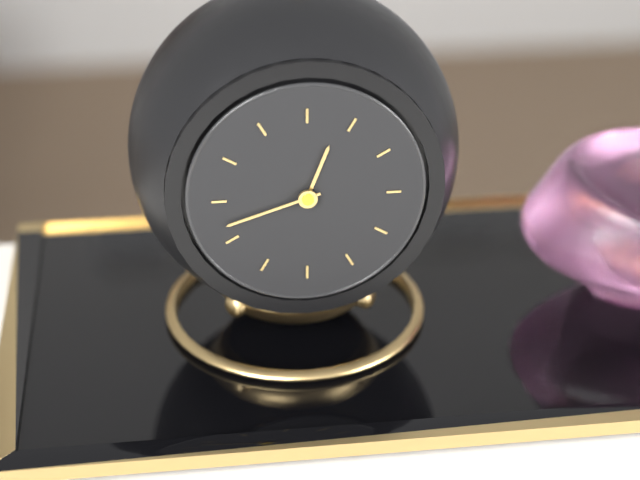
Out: h=12 m=42
